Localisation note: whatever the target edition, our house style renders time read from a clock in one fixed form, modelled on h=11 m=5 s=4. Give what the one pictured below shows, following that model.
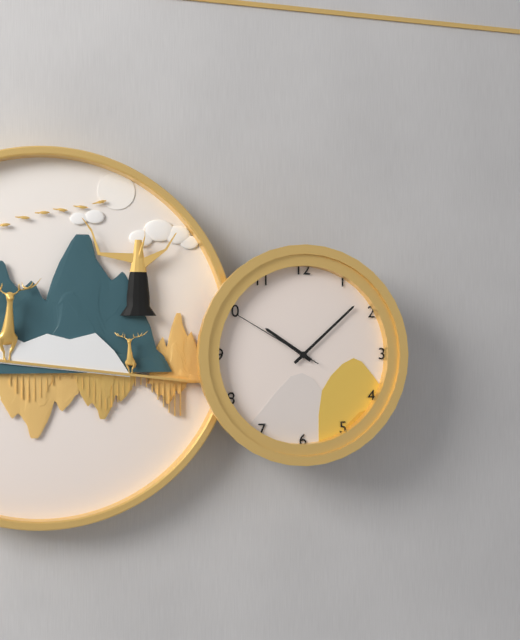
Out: h=10 m=8 s=50
